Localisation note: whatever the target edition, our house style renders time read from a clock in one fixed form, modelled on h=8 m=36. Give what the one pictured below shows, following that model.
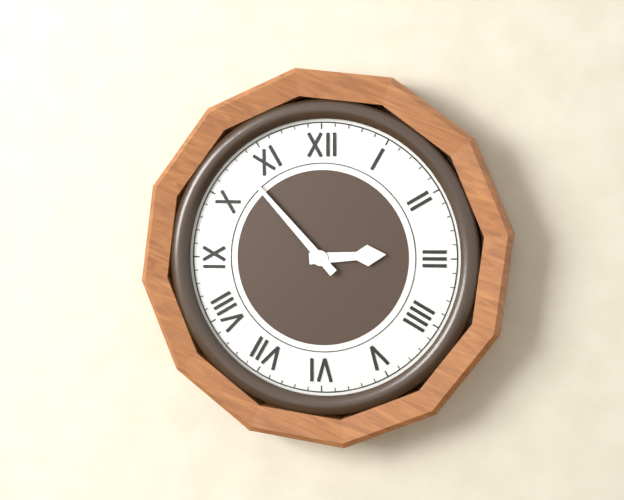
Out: h=2 m=53
